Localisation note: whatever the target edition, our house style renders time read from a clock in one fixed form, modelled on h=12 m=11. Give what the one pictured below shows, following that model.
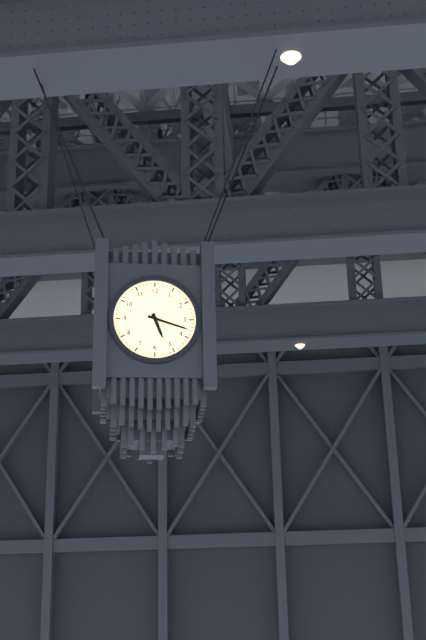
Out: h=5 m=18
